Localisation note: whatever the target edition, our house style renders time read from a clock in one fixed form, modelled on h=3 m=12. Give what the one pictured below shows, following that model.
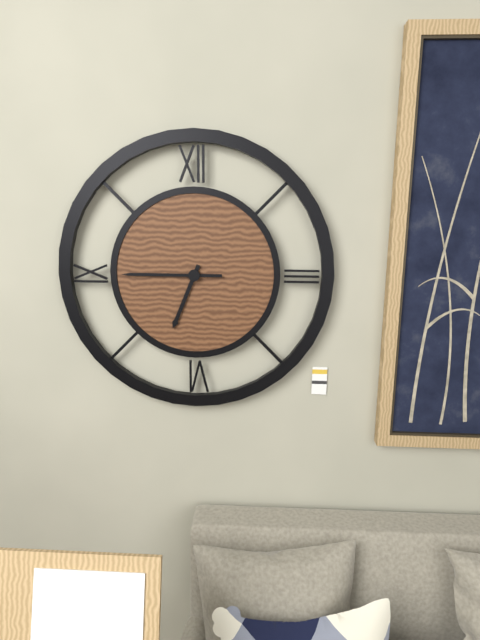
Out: h=6 m=45
